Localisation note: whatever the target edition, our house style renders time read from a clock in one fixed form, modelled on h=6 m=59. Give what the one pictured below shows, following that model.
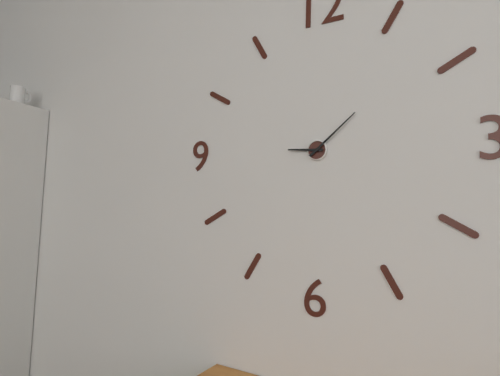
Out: h=9 m=8
